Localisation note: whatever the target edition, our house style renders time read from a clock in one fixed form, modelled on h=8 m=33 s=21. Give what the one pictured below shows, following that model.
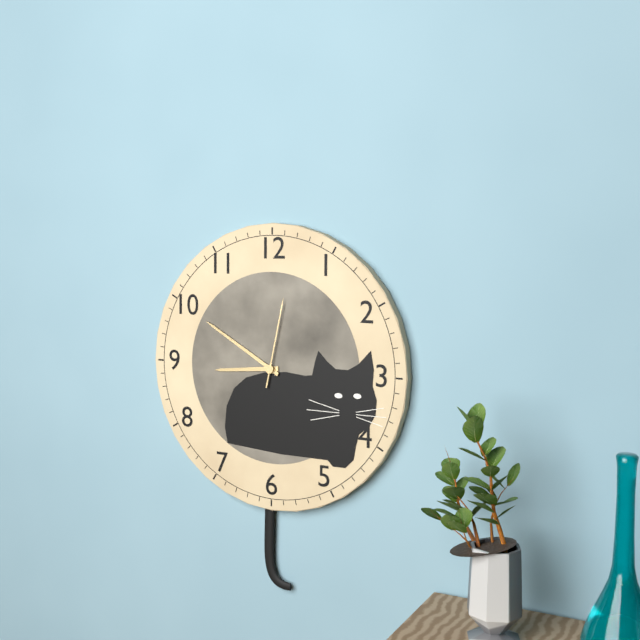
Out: h=8 m=50 s=2
